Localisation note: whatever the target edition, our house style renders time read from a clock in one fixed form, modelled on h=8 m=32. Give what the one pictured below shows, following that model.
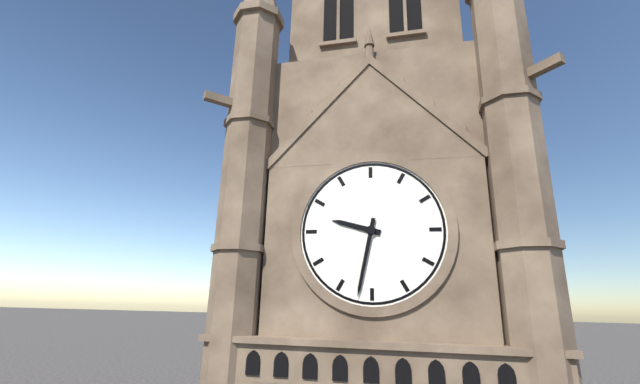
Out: h=9 m=32
